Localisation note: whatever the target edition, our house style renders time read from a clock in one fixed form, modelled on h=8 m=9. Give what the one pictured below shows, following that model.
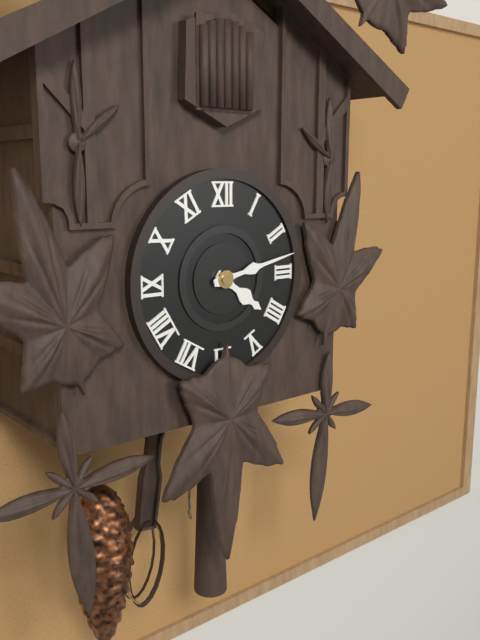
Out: h=4 m=13
